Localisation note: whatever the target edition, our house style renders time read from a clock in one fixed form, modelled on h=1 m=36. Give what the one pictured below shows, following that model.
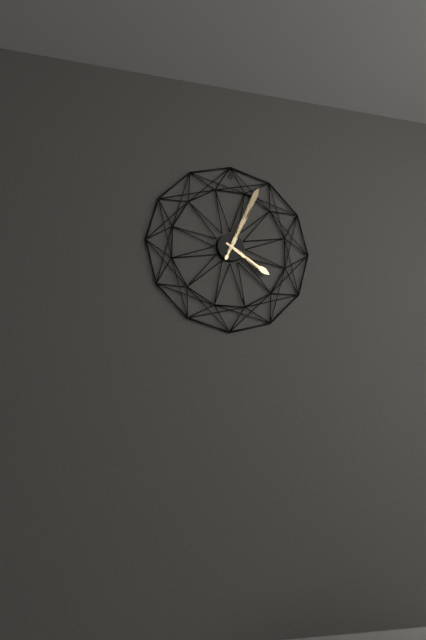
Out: h=4 m=4
